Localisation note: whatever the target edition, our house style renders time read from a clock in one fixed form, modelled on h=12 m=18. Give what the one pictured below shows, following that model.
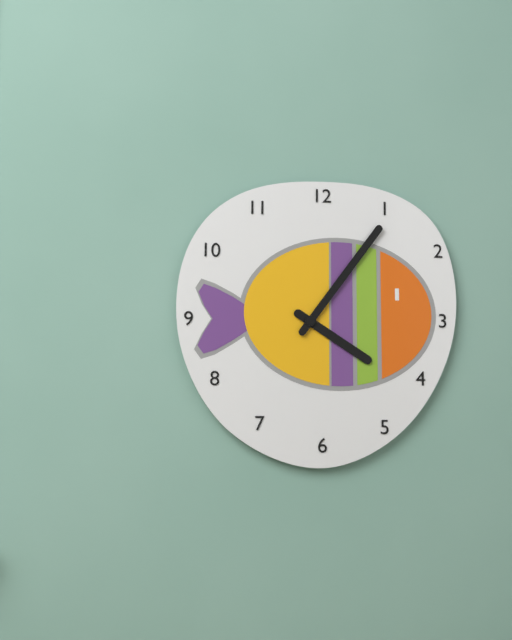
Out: h=4 m=6
